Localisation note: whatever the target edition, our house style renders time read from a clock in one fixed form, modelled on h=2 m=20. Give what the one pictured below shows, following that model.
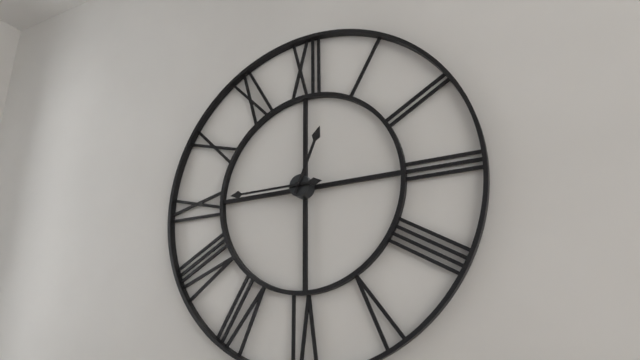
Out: h=12 m=45
